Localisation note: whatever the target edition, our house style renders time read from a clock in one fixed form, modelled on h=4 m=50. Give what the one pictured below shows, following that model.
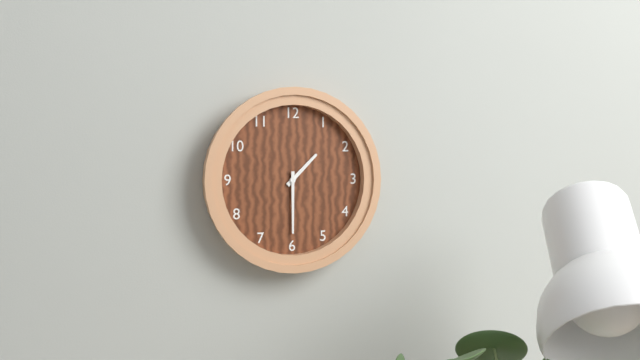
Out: h=1 m=30
